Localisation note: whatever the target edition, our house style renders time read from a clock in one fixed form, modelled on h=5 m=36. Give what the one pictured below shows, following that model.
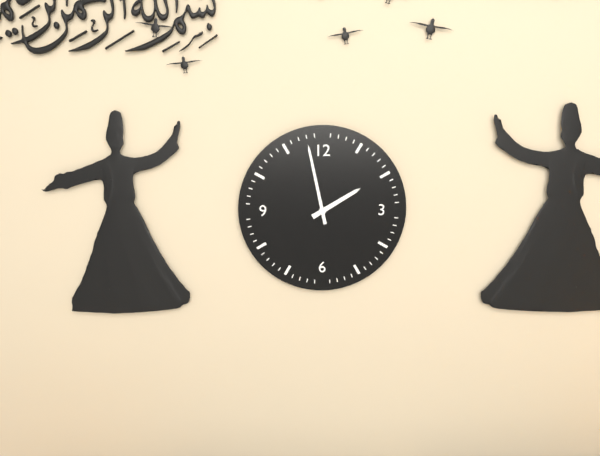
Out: h=1 m=58
